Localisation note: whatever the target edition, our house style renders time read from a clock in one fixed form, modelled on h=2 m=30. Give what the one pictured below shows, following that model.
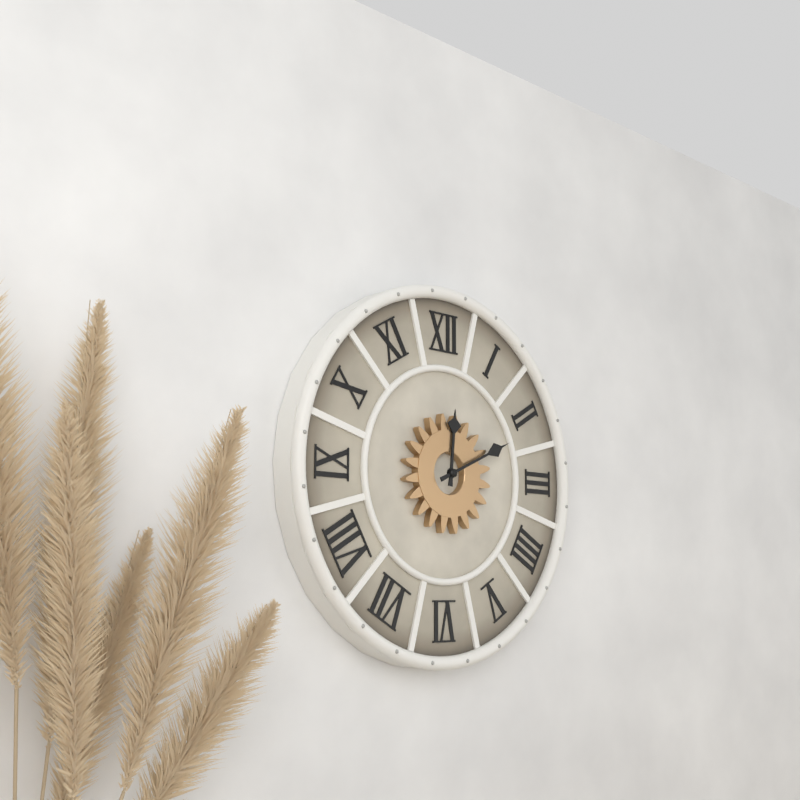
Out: h=12 m=11
